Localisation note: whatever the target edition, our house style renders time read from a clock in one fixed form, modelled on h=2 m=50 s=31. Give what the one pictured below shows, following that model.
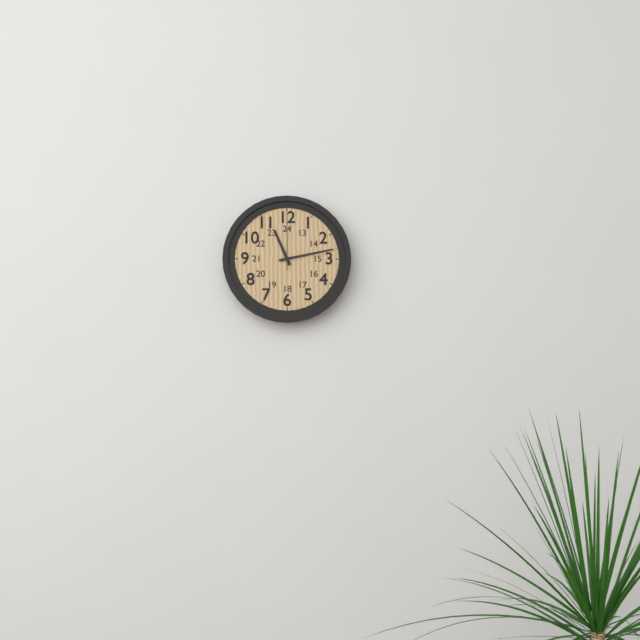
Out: h=11 m=13 s=0
